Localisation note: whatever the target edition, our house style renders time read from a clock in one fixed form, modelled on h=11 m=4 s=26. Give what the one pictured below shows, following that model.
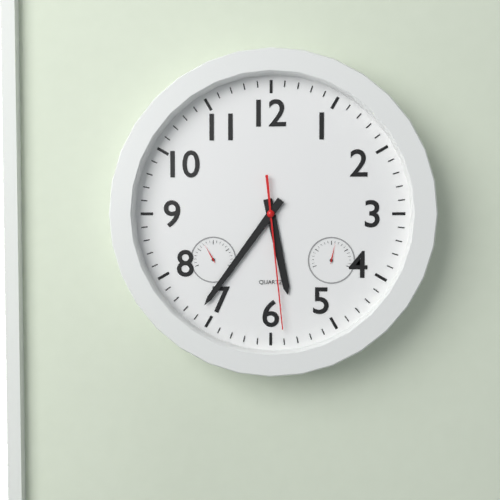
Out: h=5 m=36 s=29
